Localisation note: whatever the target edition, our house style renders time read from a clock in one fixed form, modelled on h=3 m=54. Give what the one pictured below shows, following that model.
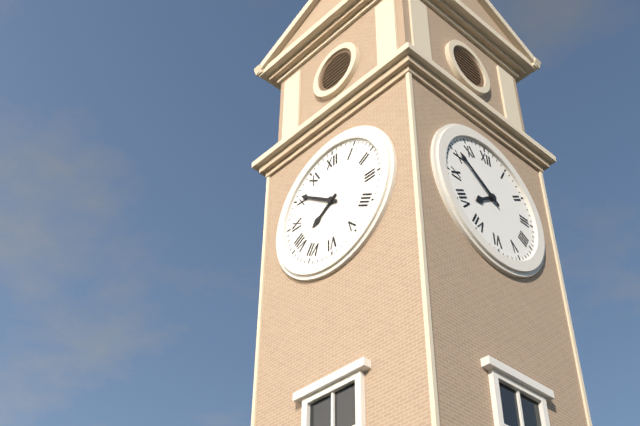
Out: h=7 m=51
